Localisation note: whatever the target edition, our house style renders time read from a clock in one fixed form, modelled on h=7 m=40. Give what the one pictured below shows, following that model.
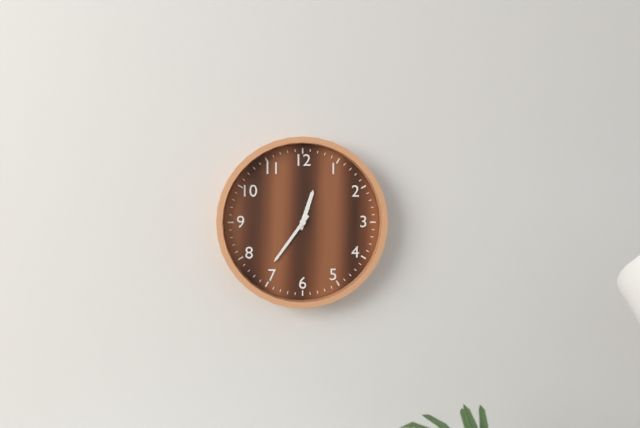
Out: h=12 m=36
